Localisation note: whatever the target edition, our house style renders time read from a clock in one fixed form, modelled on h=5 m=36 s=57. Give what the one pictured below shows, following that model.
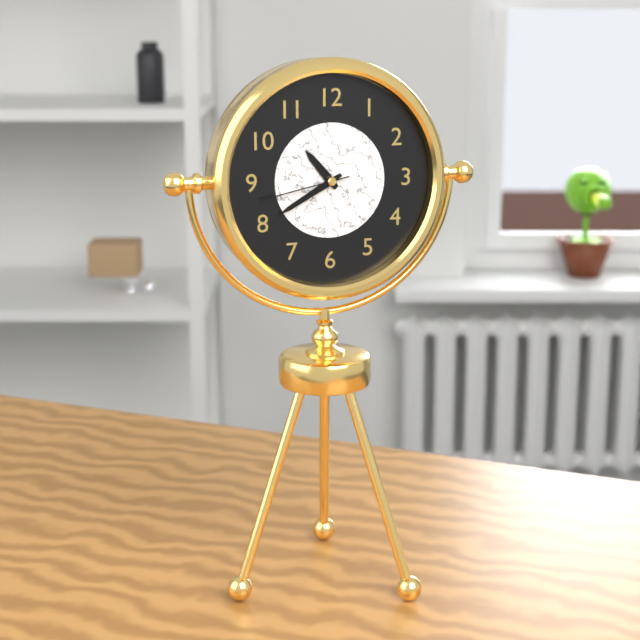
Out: h=10 m=40 s=43
